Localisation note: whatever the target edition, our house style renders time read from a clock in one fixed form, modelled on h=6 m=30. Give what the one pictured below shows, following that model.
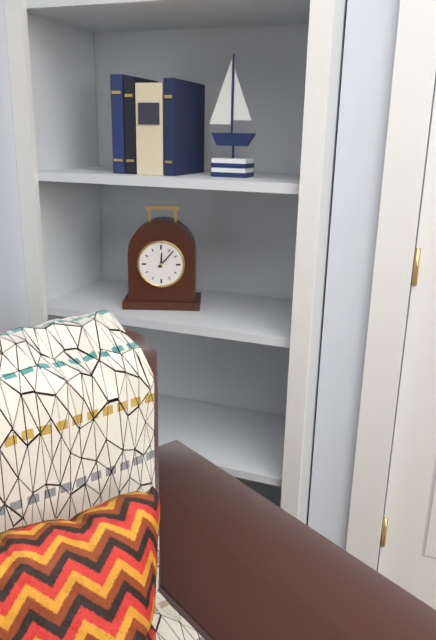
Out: h=12 m=7
